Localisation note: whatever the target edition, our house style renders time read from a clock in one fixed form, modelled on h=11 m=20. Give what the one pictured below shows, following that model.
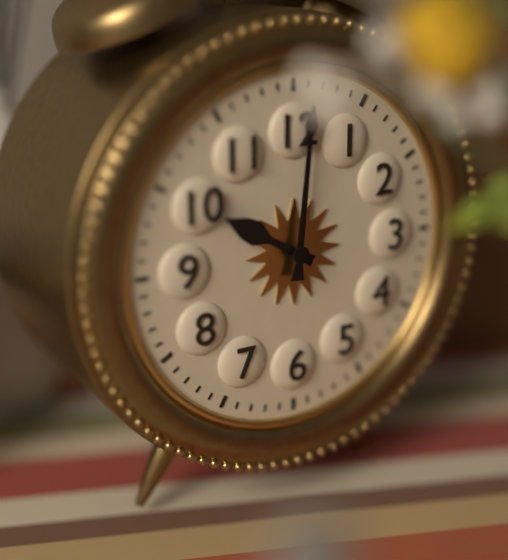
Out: h=10 m=1
